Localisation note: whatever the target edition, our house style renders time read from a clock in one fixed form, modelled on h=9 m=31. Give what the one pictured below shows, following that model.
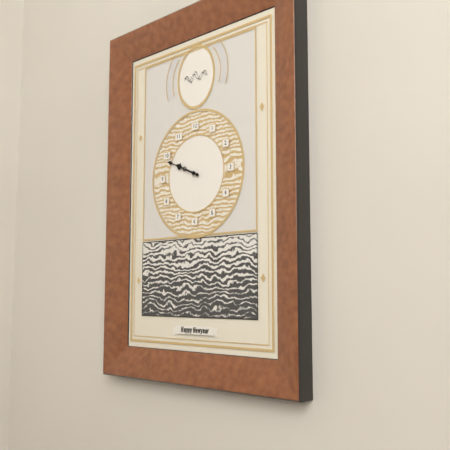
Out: h=9 m=49
